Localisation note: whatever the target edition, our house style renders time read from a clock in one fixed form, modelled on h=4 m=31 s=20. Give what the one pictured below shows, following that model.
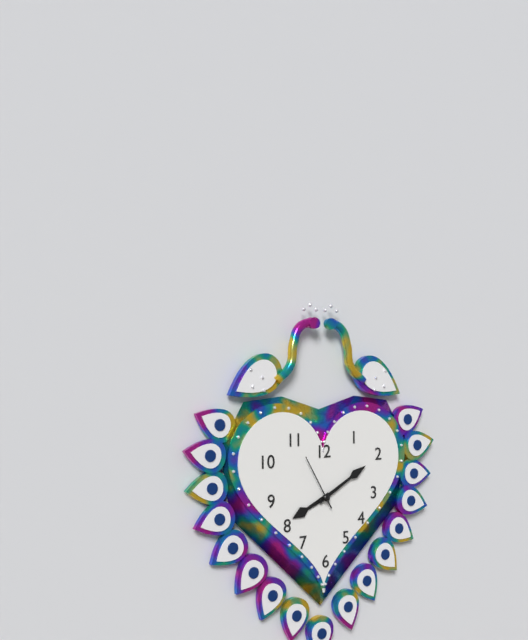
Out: h=8 m=10 s=55
